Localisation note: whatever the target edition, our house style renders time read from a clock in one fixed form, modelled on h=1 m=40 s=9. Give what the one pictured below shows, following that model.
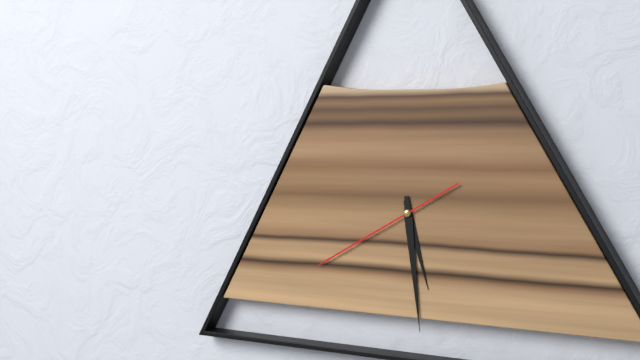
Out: h=5 m=29 s=40
